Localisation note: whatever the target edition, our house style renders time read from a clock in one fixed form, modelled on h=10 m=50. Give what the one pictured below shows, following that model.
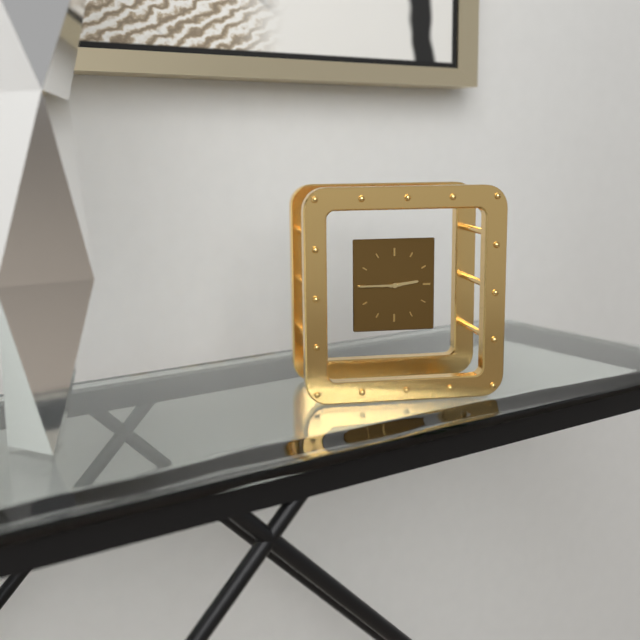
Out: h=2 m=45
